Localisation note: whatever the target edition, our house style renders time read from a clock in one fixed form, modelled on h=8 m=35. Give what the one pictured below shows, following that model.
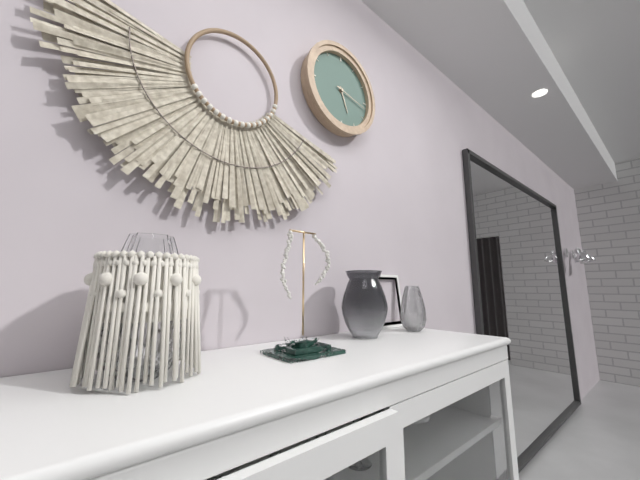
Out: h=5 m=17
